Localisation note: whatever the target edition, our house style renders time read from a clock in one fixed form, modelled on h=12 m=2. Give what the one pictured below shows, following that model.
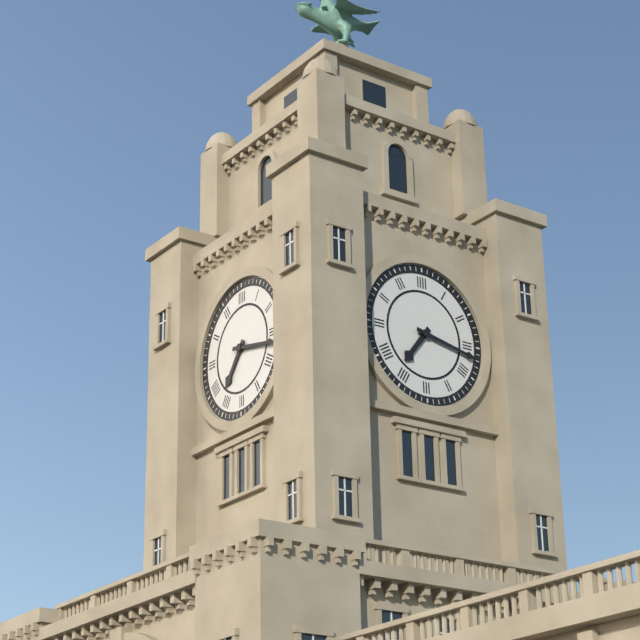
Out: h=7 m=17
